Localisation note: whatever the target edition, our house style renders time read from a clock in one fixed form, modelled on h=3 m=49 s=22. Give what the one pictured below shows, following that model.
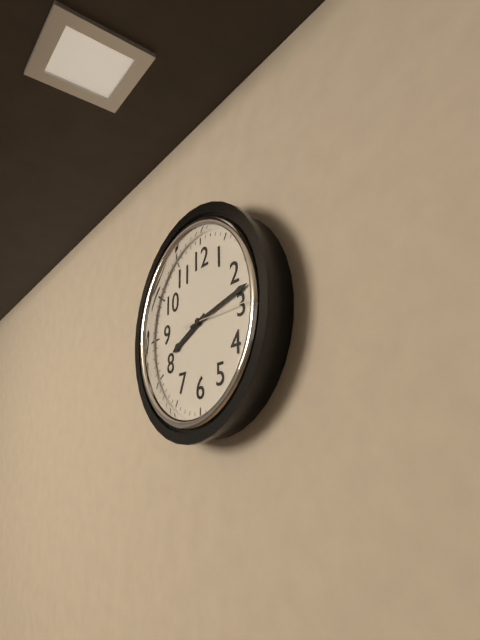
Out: h=8 m=13 s=15
